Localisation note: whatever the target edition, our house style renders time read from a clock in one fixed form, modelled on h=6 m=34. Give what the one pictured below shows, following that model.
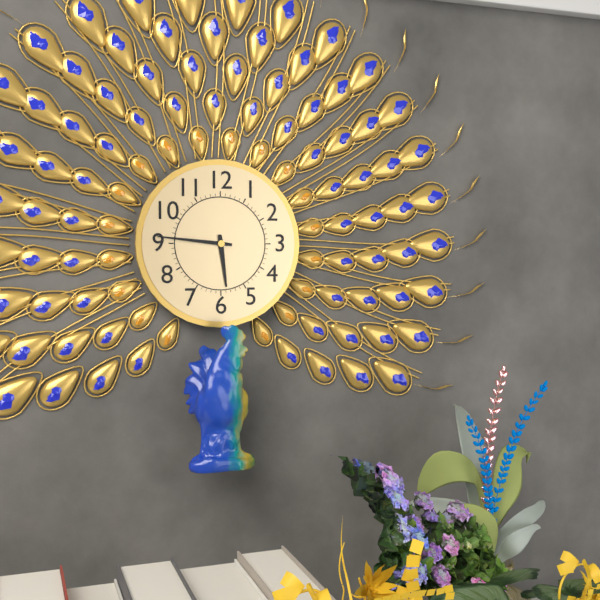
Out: h=5 m=46
